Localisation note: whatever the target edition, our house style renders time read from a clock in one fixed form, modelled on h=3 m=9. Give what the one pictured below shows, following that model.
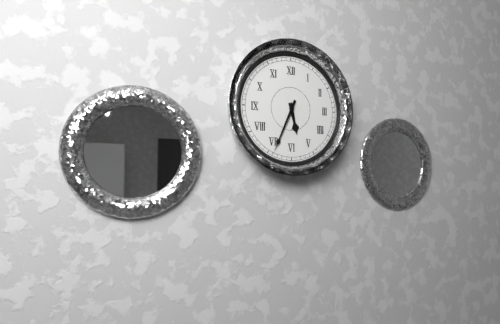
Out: h=5 m=34
